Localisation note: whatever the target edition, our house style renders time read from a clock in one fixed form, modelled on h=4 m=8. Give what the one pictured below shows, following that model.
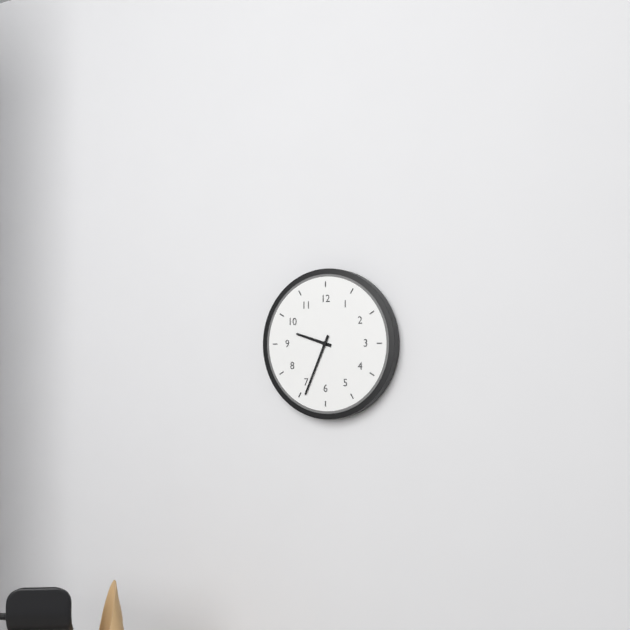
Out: h=9 m=34
